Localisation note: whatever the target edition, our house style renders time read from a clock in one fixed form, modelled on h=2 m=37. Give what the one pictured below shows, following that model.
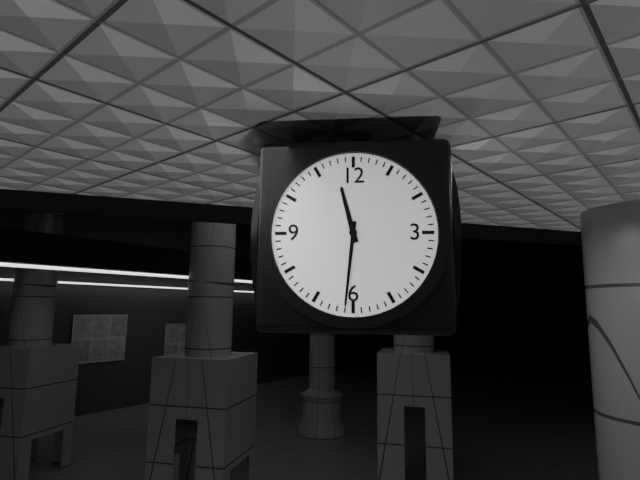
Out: h=11 m=31
